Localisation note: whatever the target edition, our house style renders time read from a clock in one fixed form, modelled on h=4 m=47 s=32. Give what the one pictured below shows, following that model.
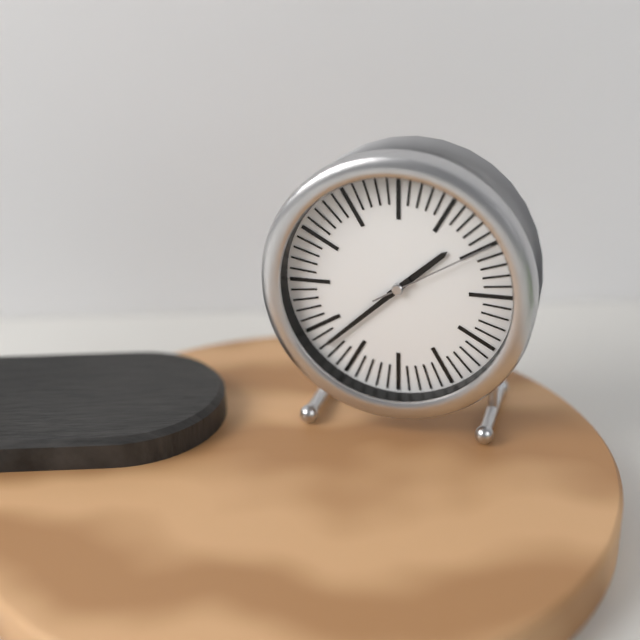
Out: h=1 m=38 s=10
